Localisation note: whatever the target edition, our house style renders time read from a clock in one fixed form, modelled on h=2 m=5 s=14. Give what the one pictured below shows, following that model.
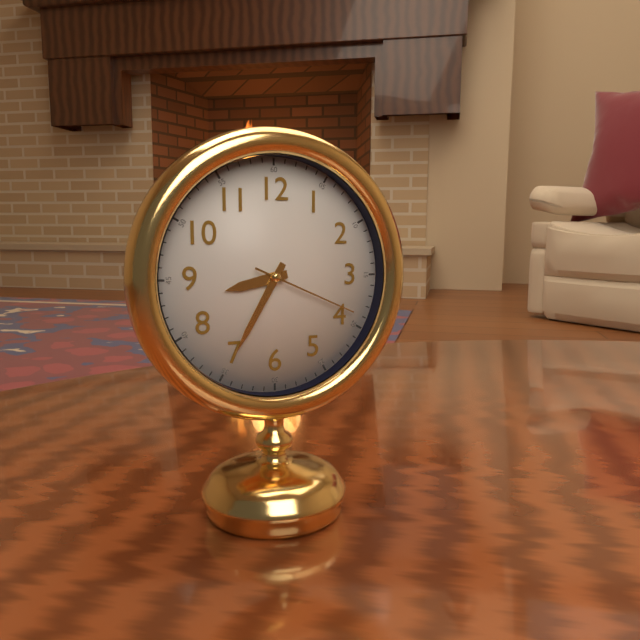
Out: h=8 m=35 s=19
